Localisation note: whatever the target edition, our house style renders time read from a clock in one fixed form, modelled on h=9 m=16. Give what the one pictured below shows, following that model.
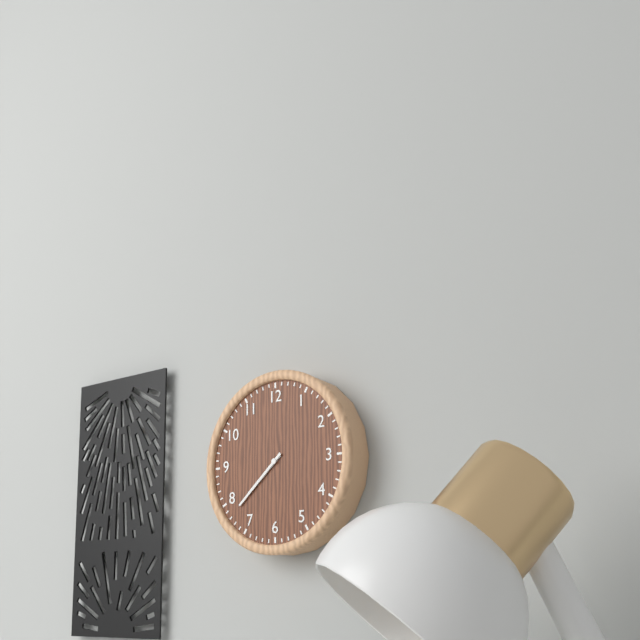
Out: h=7 m=38
